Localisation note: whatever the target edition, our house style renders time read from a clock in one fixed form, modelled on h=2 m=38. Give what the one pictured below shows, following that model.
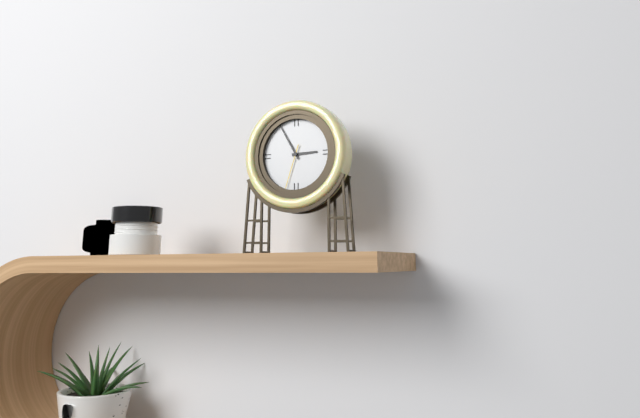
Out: h=2 m=55
